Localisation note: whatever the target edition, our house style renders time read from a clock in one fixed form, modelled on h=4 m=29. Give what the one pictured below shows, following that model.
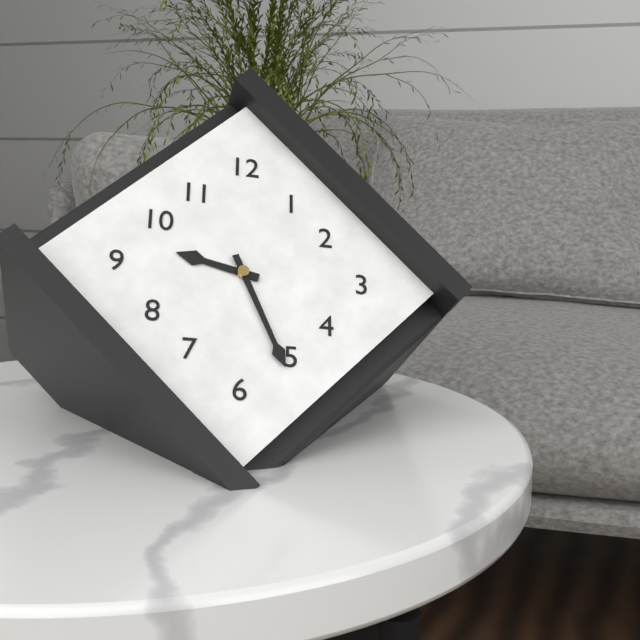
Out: h=9 m=26
